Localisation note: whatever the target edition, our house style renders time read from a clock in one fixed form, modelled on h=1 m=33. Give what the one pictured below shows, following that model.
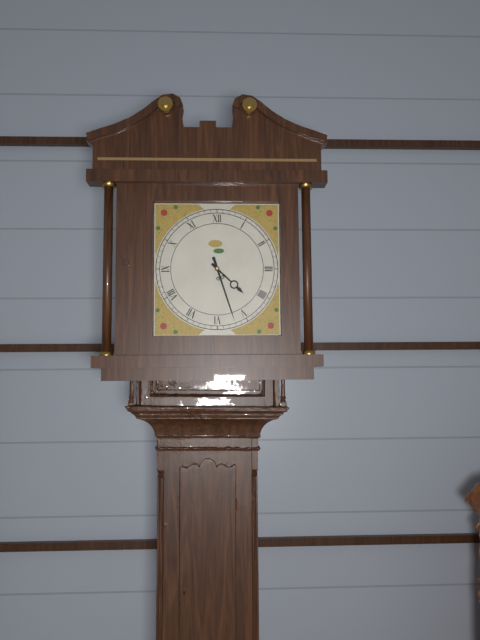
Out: h=4 m=27
